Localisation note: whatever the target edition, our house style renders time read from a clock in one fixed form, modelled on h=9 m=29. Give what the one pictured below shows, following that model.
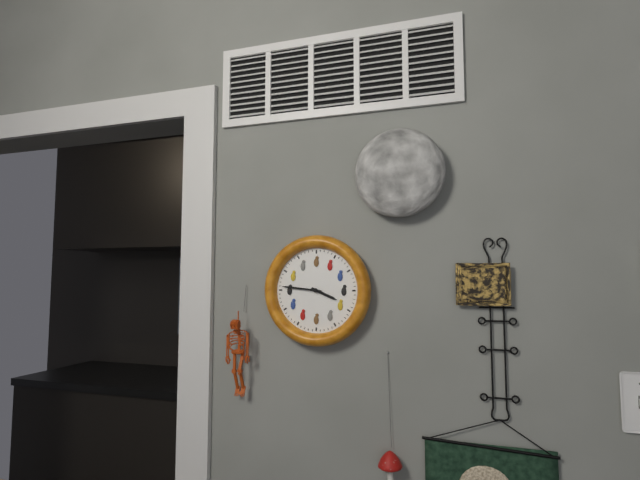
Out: h=3 m=46
